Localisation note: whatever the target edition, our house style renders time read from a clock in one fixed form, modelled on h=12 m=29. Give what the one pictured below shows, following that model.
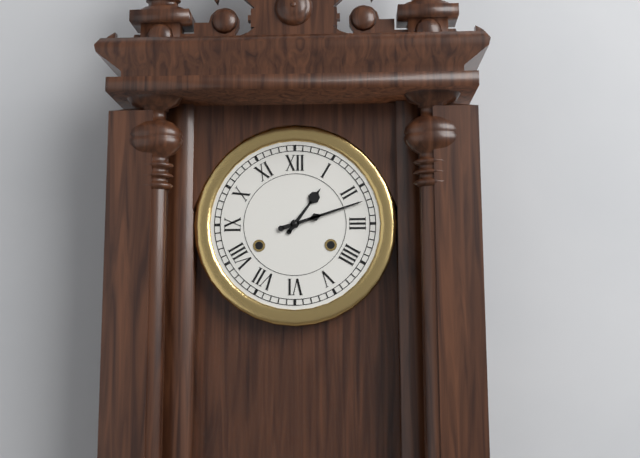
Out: h=1 m=12
